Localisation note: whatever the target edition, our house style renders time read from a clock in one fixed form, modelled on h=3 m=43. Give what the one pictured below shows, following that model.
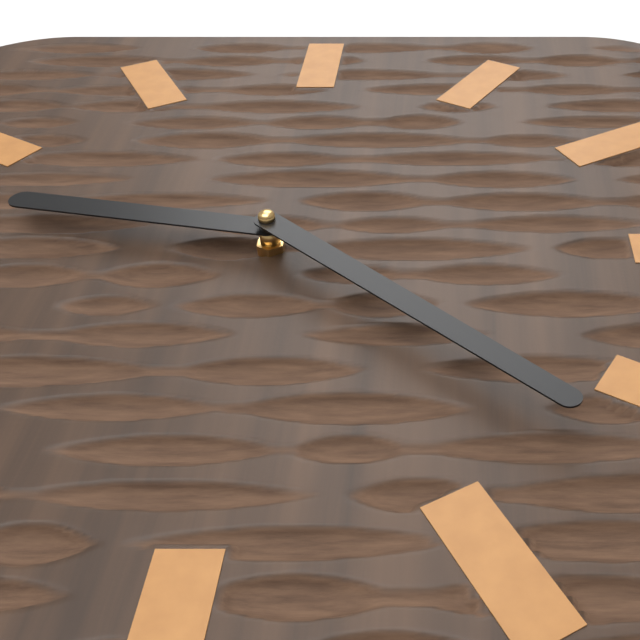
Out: h=9 m=22
